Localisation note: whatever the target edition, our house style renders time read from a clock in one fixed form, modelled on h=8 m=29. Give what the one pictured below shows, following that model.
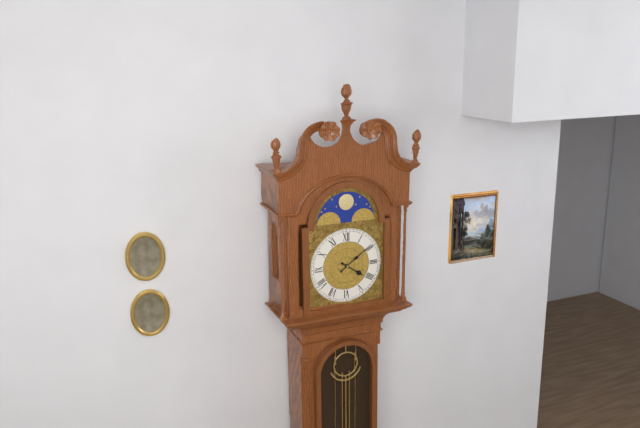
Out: h=4 m=9
